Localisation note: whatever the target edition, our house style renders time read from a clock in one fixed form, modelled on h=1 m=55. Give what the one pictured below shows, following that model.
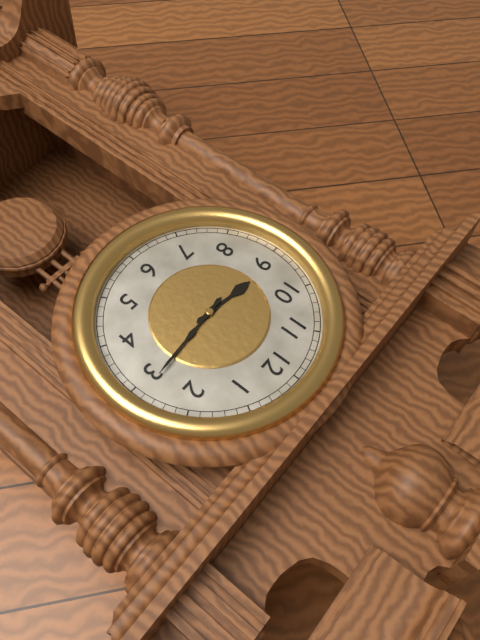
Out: h=9 m=14
